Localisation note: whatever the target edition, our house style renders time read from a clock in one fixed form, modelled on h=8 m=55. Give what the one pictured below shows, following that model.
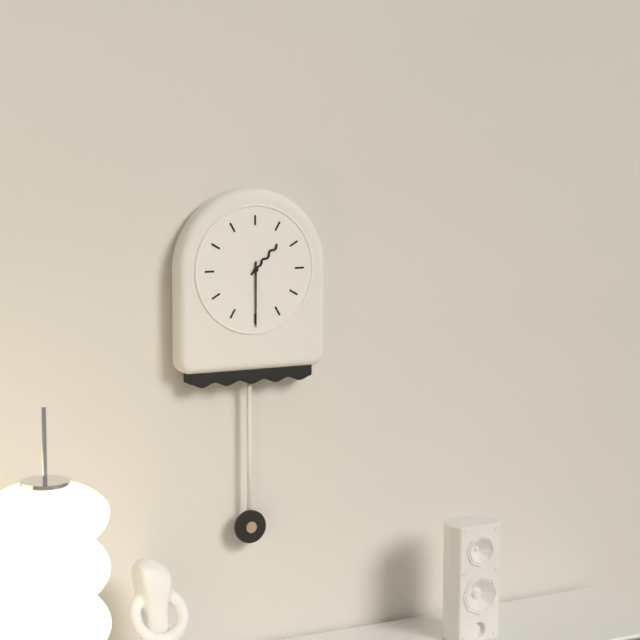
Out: h=1 m=30
